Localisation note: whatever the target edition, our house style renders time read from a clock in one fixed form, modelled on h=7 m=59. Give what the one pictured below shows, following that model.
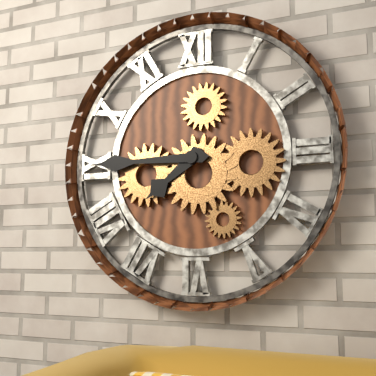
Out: h=7 m=45
